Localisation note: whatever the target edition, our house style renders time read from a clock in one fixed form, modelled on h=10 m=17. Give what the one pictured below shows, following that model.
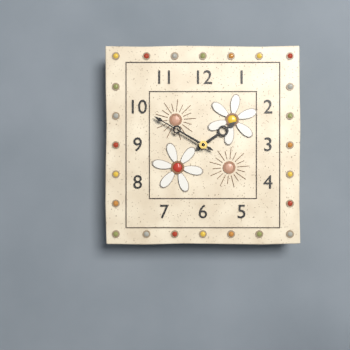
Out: h=1 m=50
